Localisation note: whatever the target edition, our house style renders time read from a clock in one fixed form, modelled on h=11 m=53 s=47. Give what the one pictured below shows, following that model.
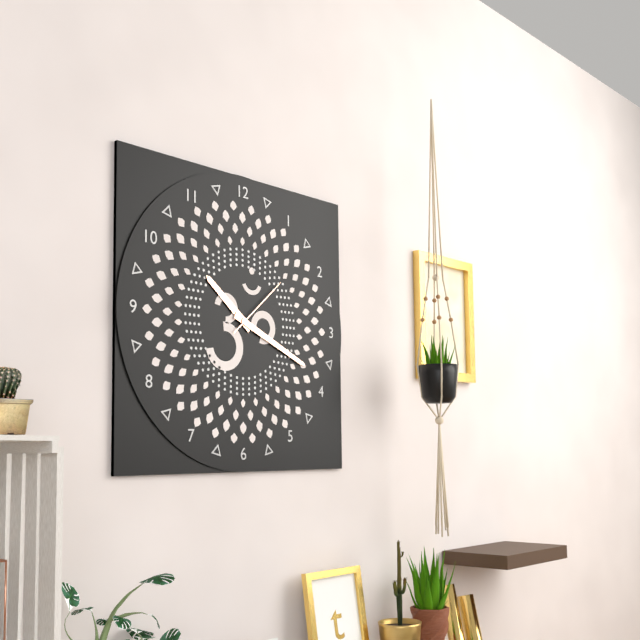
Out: h=10 m=19 s=8
